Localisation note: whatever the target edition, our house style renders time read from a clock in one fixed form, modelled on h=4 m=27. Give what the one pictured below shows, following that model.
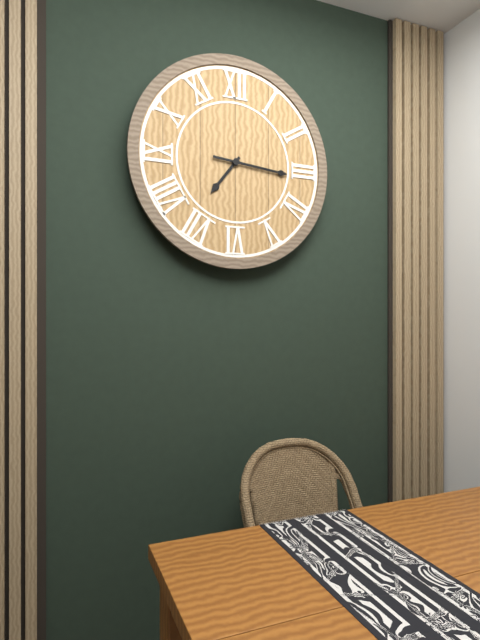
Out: h=7 m=16
